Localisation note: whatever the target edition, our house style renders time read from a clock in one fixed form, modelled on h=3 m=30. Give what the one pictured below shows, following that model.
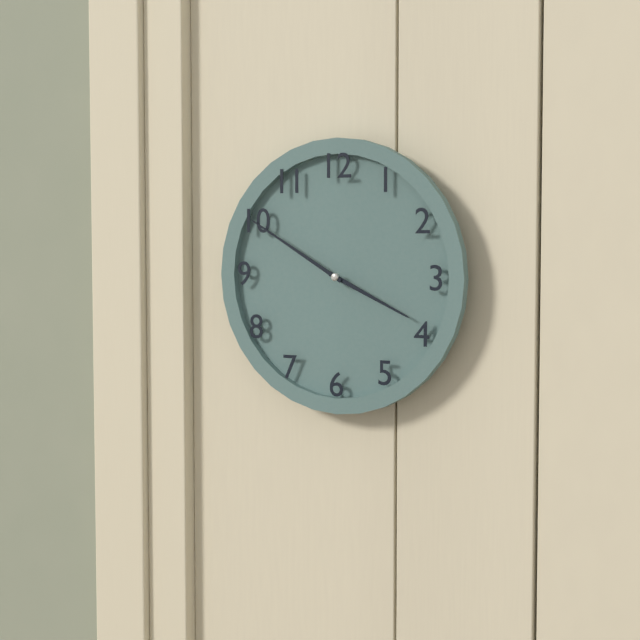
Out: h=3 m=50
